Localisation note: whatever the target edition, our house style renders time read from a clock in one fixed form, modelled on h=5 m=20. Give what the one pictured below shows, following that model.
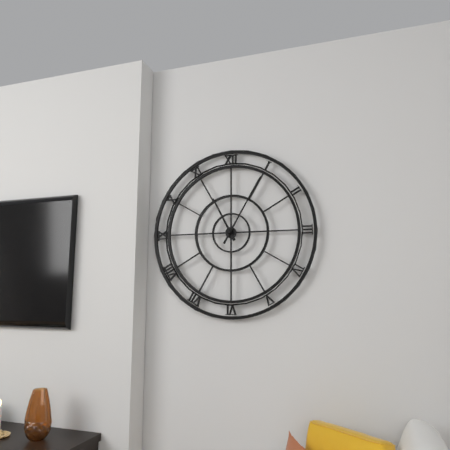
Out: h=11 m=5
